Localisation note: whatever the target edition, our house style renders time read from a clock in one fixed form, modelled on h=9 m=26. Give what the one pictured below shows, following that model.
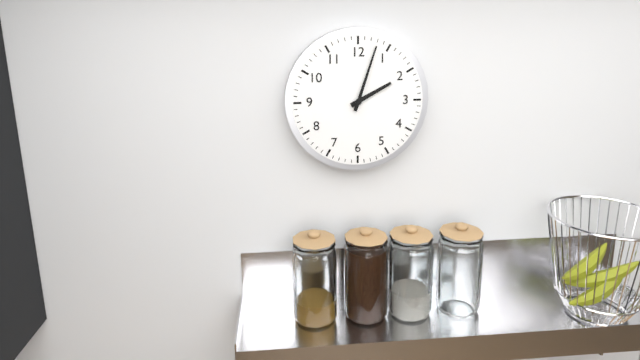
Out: h=2 m=3
